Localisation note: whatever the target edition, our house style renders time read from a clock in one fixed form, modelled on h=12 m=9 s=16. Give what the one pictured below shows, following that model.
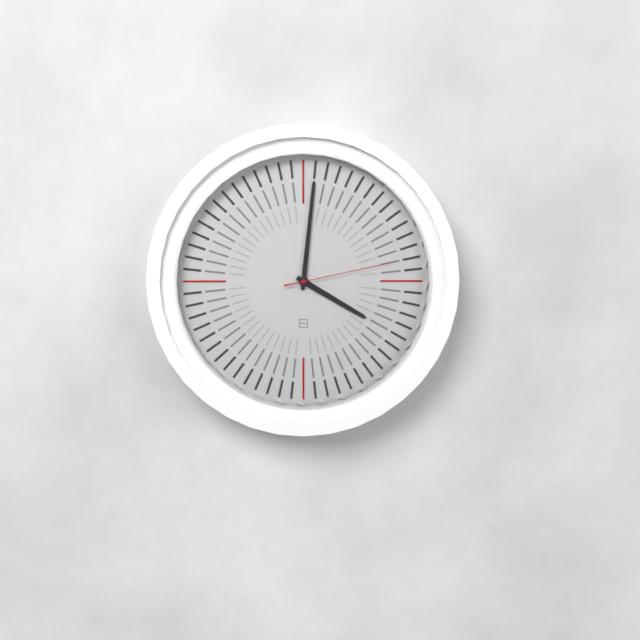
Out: h=4 m=1 s=13
